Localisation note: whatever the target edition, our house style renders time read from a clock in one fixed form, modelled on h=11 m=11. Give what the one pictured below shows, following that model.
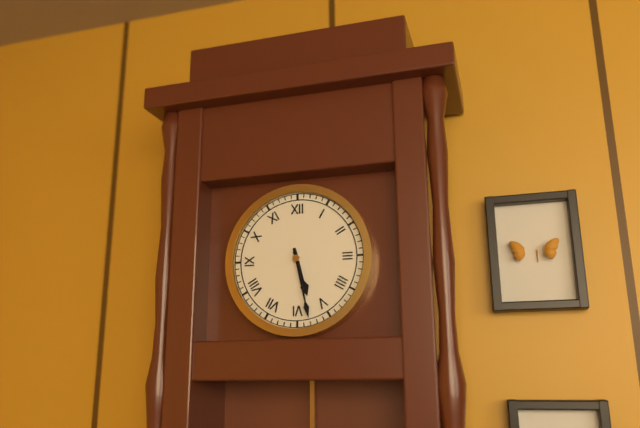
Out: h=5 m=28
